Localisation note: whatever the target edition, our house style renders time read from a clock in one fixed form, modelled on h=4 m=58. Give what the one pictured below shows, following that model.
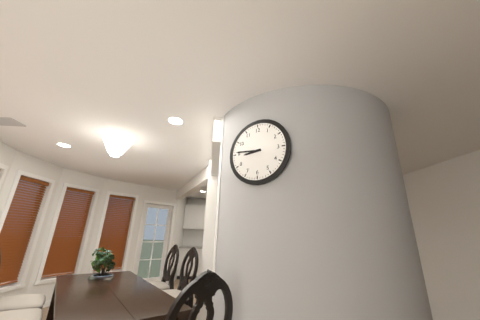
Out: h=8 m=46
